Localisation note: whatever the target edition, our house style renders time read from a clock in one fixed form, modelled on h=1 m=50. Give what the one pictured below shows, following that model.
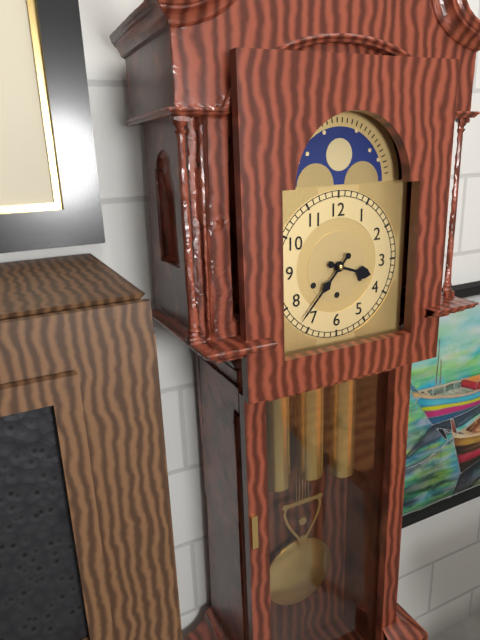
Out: h=3 m=37
